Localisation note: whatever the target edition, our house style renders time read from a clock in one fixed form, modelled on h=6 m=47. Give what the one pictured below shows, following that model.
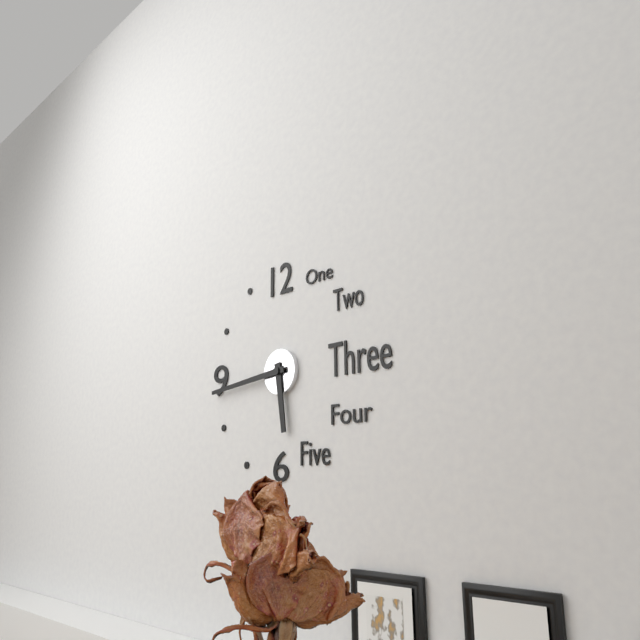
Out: h=5 m=44
